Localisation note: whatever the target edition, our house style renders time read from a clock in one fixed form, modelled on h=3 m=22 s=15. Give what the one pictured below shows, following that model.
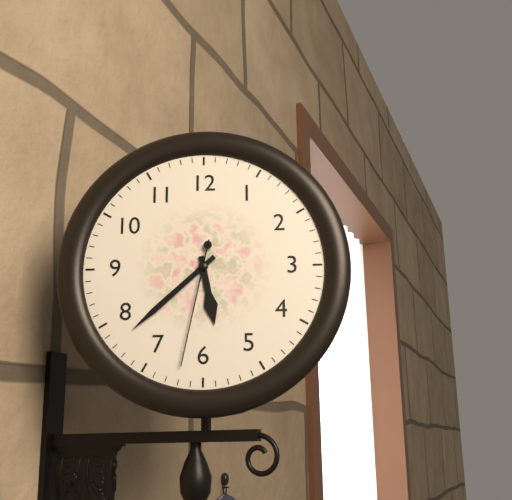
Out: h=5 m=38 s=32
